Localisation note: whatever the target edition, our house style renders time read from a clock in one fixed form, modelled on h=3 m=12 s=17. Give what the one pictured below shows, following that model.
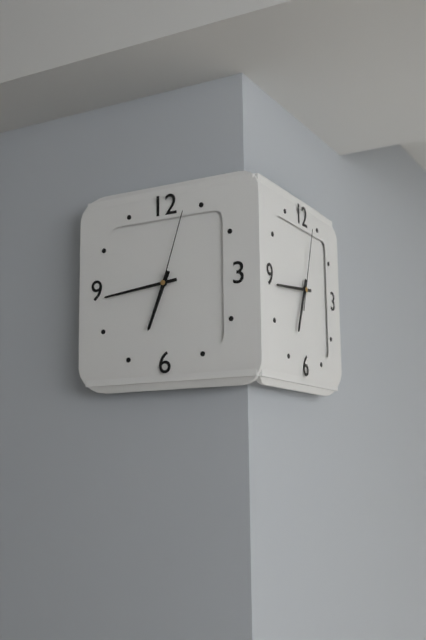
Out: h=6 m=44 s=3
